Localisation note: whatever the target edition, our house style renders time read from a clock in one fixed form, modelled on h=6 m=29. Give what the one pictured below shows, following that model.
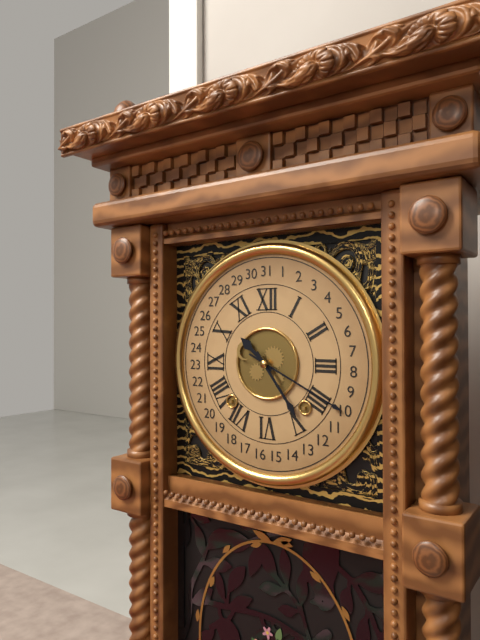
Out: h=10 m=24
